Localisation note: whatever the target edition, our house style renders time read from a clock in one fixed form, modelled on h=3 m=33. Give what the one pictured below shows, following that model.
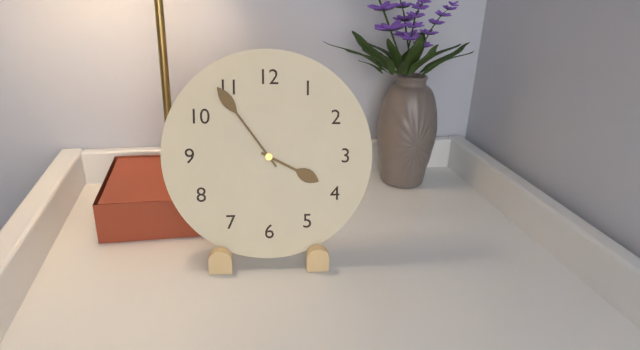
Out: h=3 m=54
